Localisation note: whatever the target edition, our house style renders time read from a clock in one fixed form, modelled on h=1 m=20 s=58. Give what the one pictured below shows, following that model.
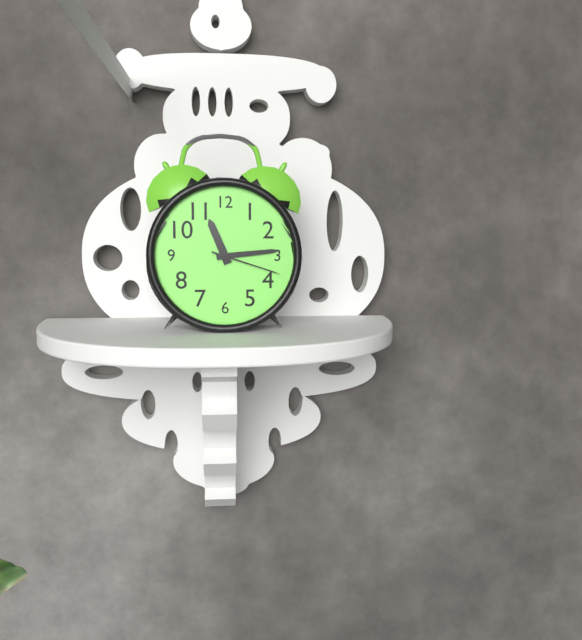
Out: h=11 m=14 s=18
